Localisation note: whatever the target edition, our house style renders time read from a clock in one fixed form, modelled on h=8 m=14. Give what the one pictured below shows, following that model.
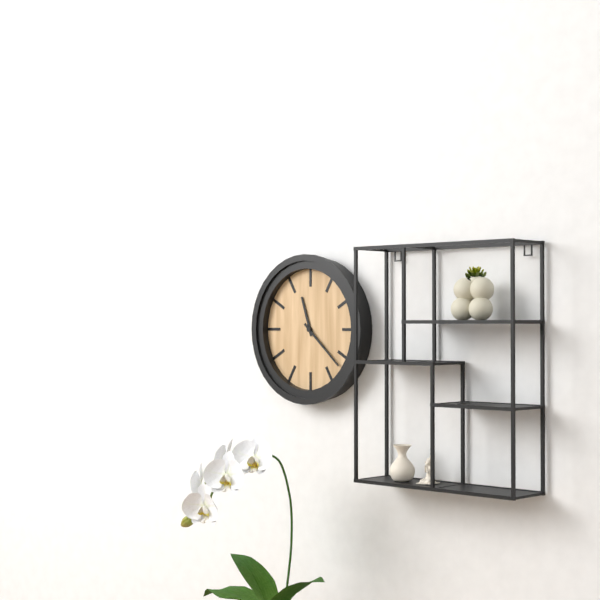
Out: h=11 m=22
